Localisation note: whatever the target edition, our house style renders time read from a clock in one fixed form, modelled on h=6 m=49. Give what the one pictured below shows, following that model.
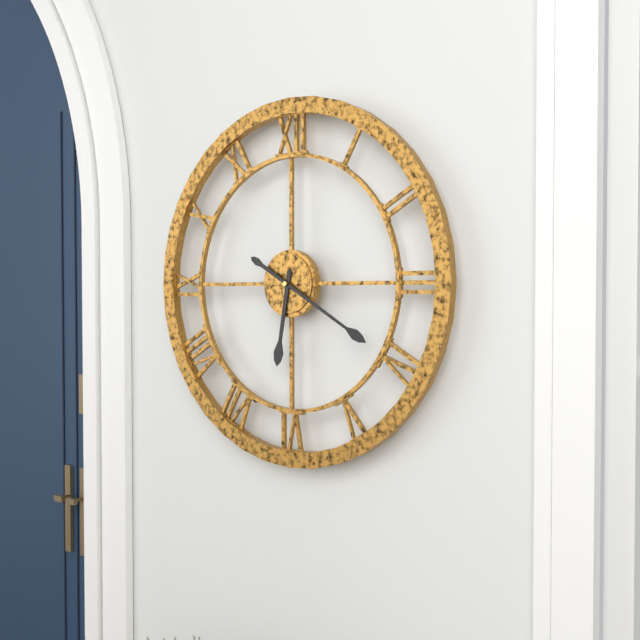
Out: h=6 m=20
